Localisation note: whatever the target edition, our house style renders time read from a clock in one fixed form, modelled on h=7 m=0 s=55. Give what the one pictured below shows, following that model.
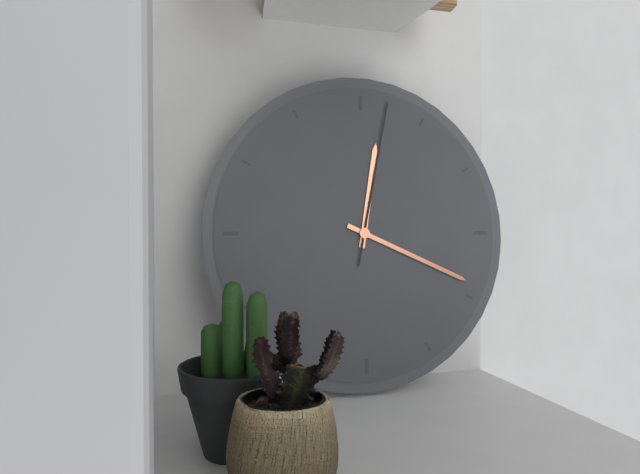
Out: h=12 m=19 s=2
